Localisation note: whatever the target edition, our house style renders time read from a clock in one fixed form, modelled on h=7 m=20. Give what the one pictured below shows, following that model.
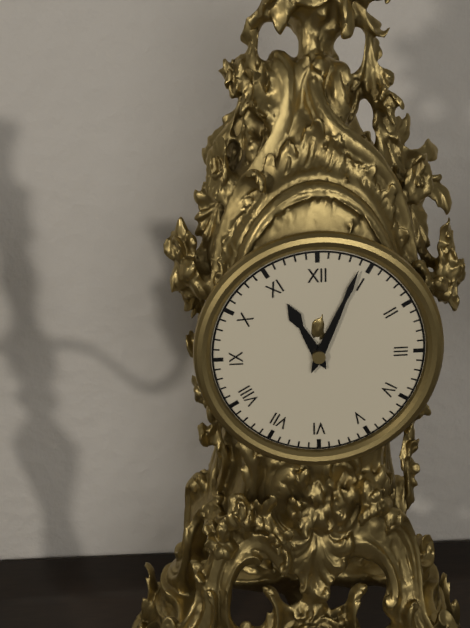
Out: h=11 m=4
